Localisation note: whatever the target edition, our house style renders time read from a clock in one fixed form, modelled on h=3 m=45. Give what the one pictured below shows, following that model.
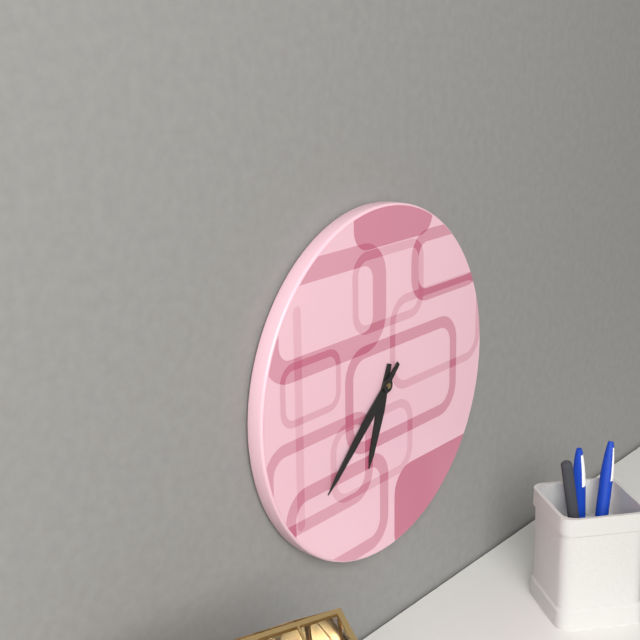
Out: h=6 m=38
